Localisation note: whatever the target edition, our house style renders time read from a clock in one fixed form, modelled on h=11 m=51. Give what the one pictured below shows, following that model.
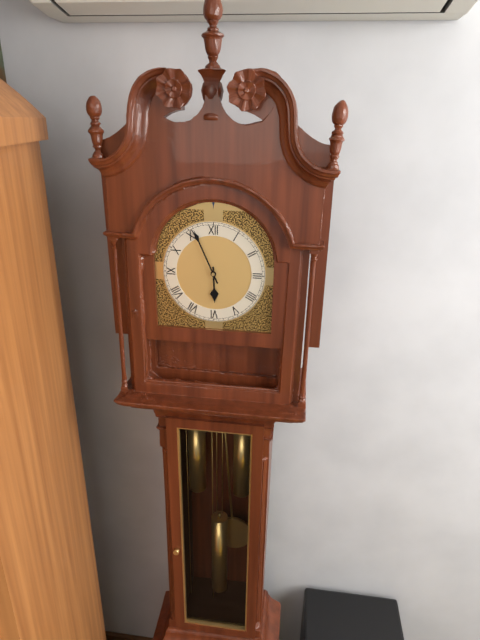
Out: h=5 m=56
